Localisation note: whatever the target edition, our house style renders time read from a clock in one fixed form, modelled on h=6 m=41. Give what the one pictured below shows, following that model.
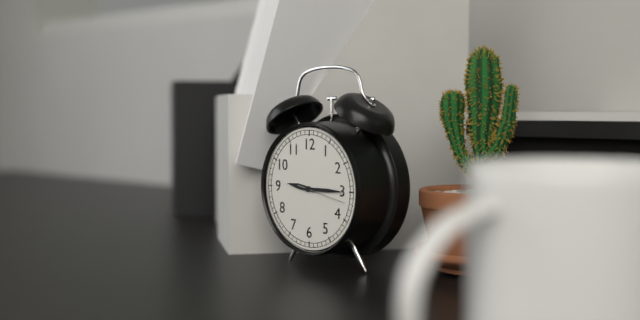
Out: h=9 m=15
